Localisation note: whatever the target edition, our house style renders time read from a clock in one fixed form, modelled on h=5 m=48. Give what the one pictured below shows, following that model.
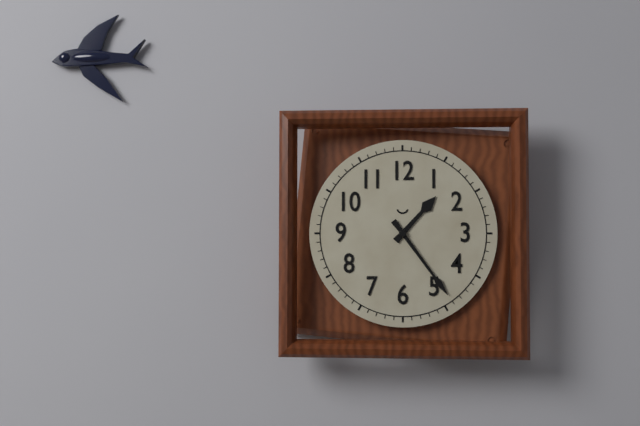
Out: h=1 m=24
